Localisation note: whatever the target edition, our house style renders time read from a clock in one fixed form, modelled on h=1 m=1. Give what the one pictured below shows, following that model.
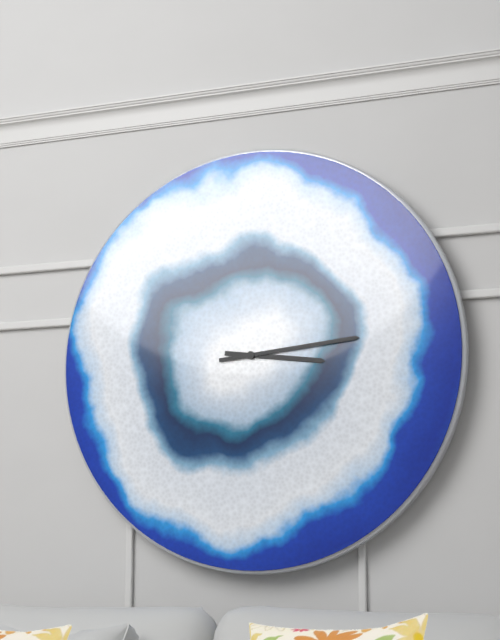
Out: h=3 m=14
